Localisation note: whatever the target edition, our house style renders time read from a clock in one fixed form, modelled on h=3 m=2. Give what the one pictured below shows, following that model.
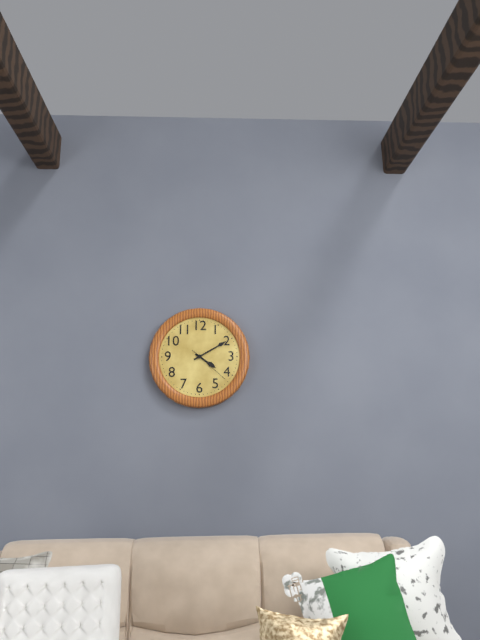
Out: h=4 m=10
